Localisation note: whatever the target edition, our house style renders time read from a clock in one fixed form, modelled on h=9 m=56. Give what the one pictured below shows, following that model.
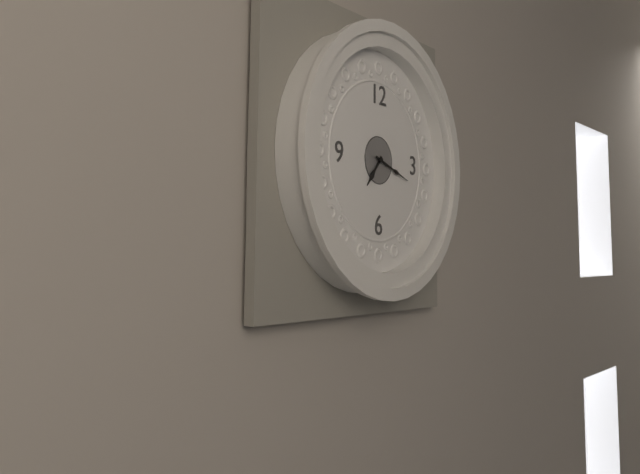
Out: h=7 m=18
